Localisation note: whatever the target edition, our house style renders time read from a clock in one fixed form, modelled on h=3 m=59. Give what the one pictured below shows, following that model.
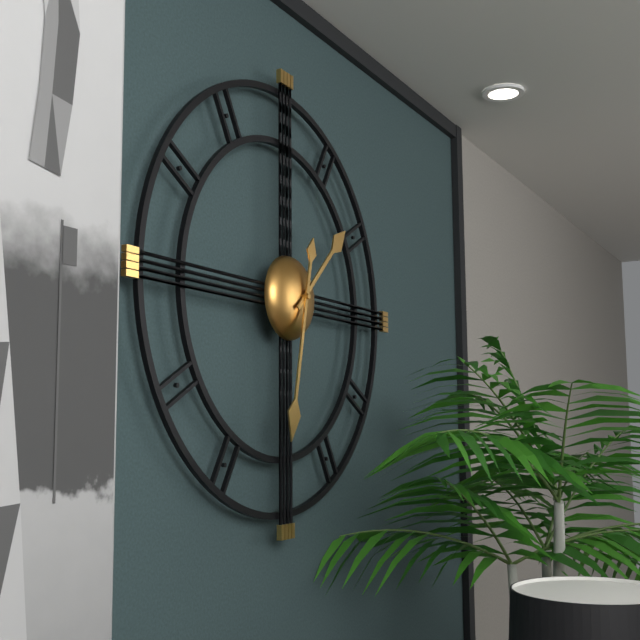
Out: h=1 m=32
